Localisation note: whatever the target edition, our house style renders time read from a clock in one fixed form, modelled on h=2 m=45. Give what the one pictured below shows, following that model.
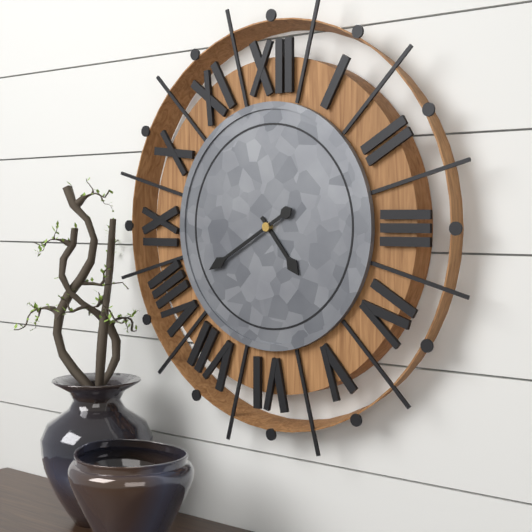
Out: h=4 m=40
